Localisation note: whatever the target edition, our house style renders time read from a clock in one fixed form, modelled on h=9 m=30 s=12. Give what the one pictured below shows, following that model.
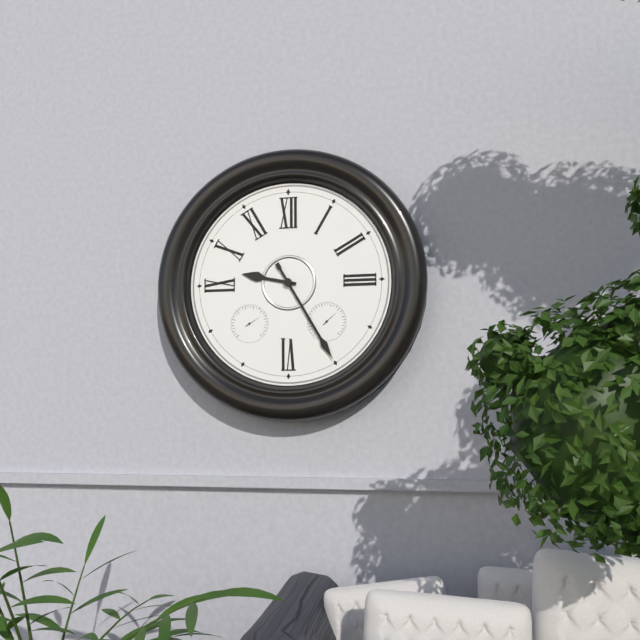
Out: h=9 m=25 s=25
